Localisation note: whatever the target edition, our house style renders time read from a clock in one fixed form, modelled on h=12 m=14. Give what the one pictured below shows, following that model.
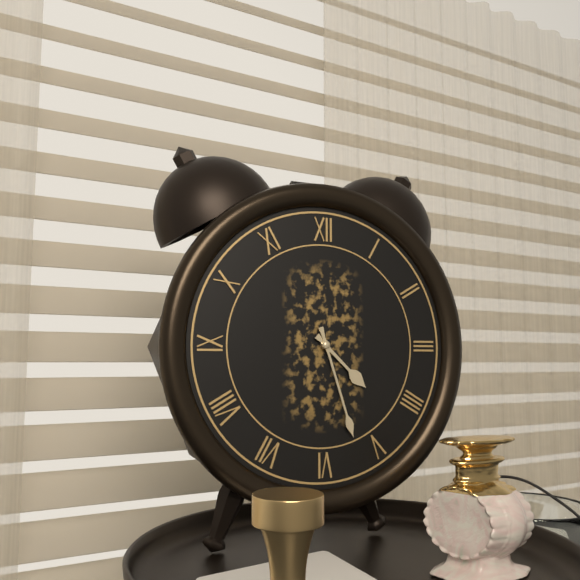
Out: h=4 m=27
